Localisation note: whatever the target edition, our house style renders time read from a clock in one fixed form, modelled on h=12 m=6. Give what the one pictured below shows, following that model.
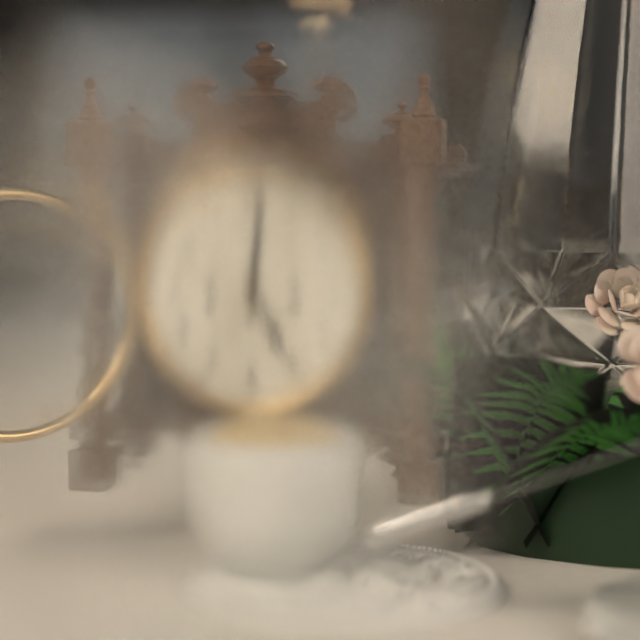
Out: h=5 m=1
